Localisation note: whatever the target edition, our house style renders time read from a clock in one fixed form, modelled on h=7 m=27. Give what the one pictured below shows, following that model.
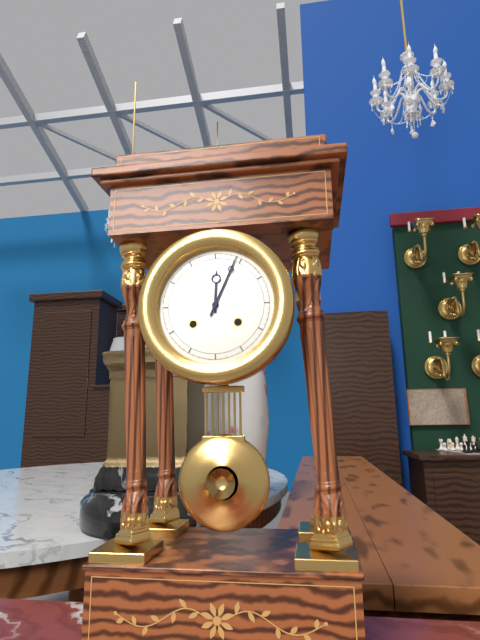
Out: h=12 m=4
